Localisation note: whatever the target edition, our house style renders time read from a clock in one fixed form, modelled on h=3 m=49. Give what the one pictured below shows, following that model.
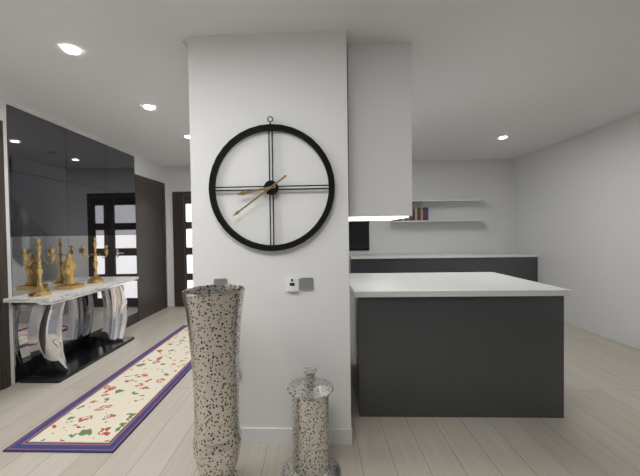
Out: h=8 m=39
